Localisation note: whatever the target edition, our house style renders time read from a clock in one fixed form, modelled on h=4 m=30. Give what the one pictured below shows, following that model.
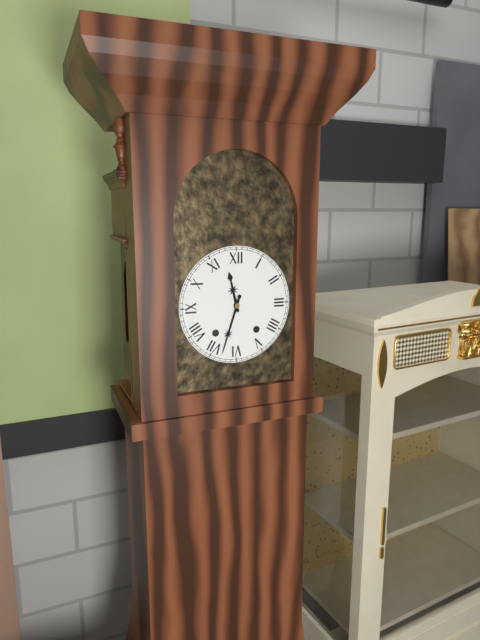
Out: h=11 m=33
